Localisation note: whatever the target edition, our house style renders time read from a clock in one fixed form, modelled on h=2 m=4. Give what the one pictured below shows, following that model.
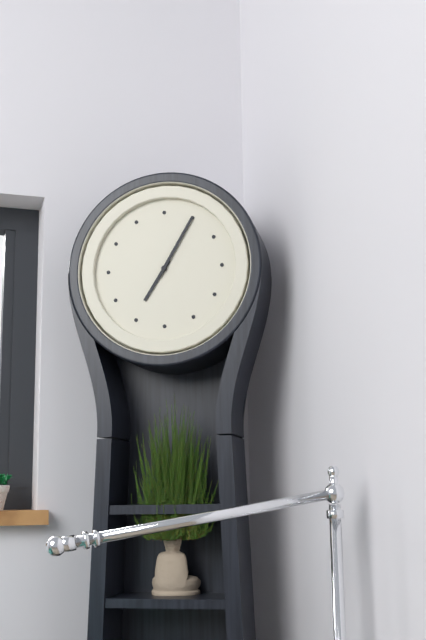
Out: h=7 m=5
